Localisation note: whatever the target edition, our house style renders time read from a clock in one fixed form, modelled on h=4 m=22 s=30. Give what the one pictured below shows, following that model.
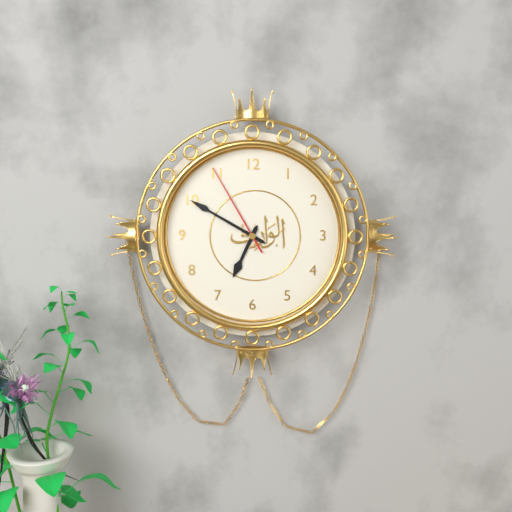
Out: h=6 m=50 s=55
